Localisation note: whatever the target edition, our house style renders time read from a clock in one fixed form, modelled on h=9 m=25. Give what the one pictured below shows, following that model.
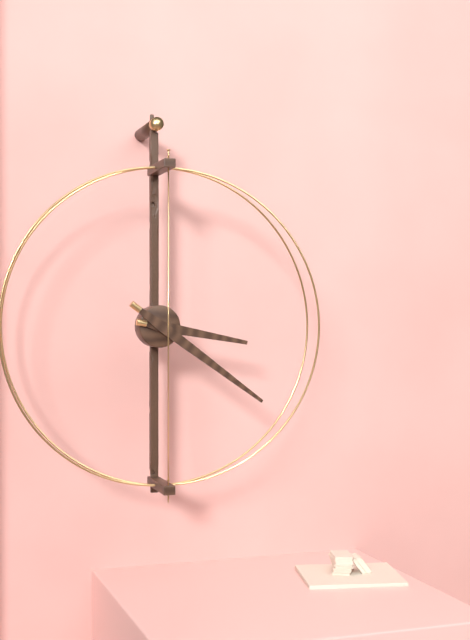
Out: h=3 m=21
